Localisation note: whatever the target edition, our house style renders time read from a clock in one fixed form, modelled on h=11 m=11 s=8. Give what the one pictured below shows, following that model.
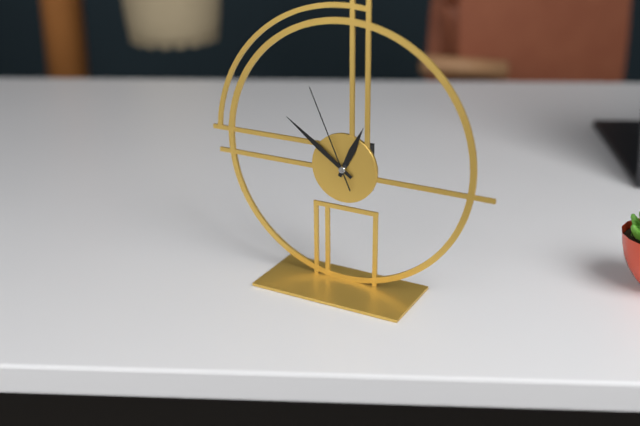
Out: h=12 m=51 s=56
